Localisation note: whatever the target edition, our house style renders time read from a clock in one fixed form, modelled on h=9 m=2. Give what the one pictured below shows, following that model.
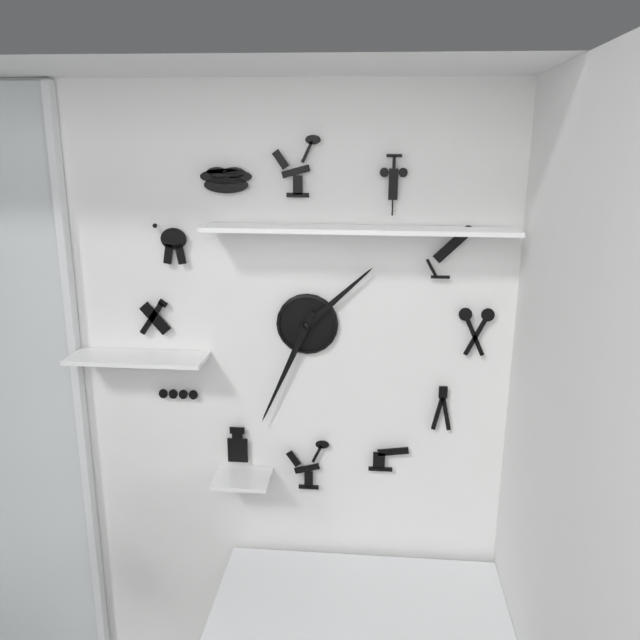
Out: h=1 m=34
